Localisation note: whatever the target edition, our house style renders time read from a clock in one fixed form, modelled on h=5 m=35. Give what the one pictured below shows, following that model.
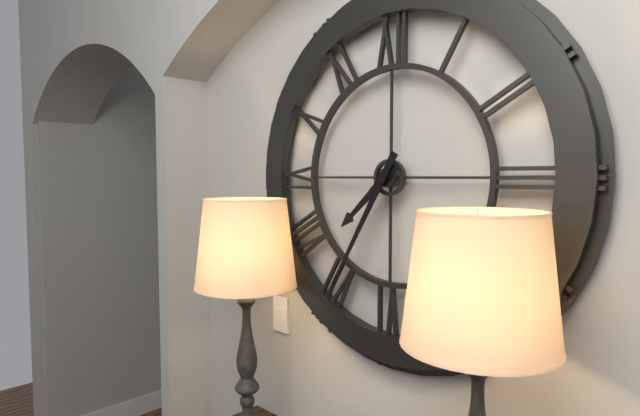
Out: h=7 m=35
